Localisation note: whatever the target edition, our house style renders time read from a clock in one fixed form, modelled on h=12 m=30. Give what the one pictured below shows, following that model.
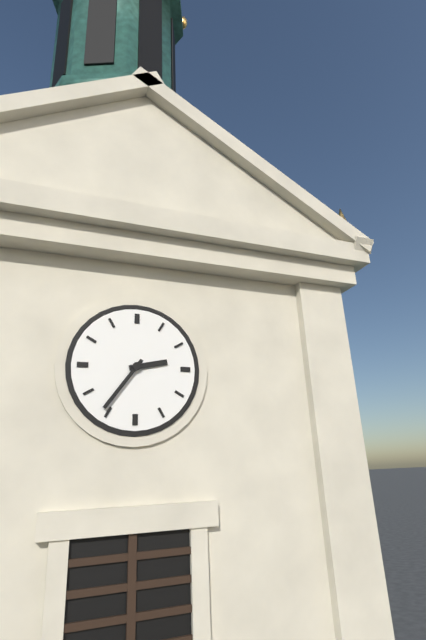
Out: h=2 m=36
